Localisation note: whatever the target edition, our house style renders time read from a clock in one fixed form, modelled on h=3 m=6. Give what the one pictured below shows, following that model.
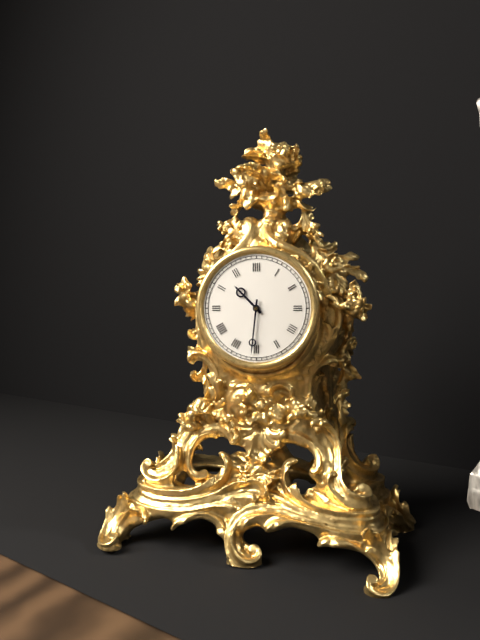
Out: h=10 m=31
